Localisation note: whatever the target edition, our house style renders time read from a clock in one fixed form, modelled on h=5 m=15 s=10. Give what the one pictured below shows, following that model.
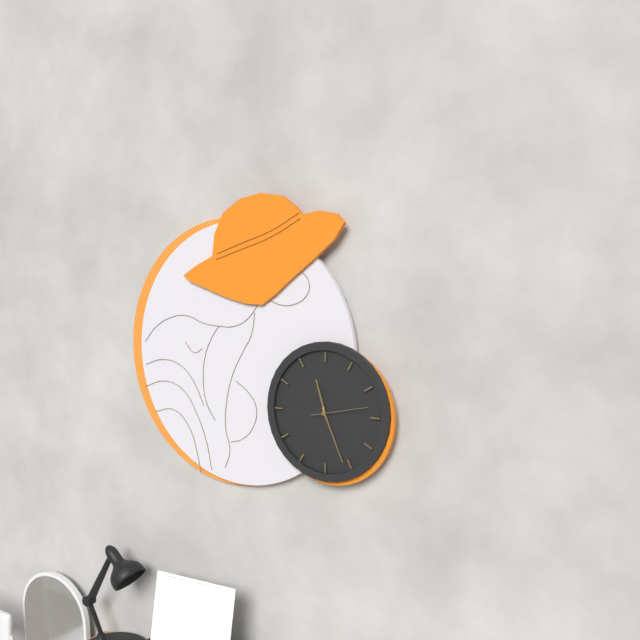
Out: h=11 m=26 s=13
